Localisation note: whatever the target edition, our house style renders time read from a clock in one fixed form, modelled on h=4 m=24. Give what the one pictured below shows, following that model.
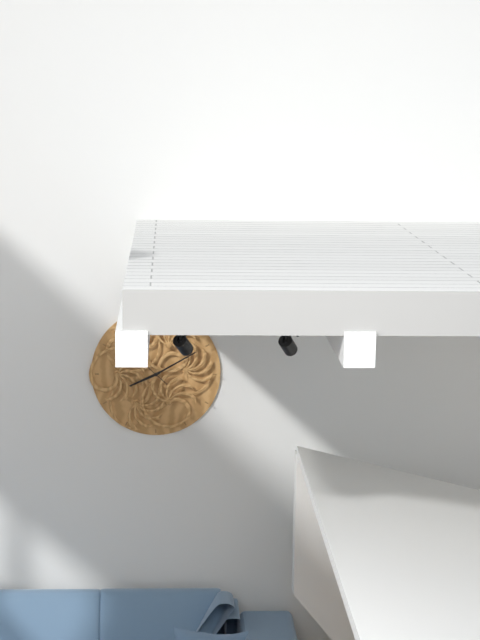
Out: h=8 m=10
